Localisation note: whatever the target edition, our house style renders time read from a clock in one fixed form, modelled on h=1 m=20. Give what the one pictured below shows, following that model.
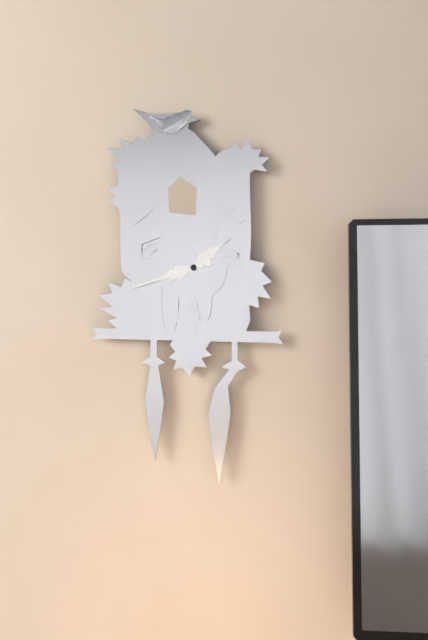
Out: h=1 m=42
